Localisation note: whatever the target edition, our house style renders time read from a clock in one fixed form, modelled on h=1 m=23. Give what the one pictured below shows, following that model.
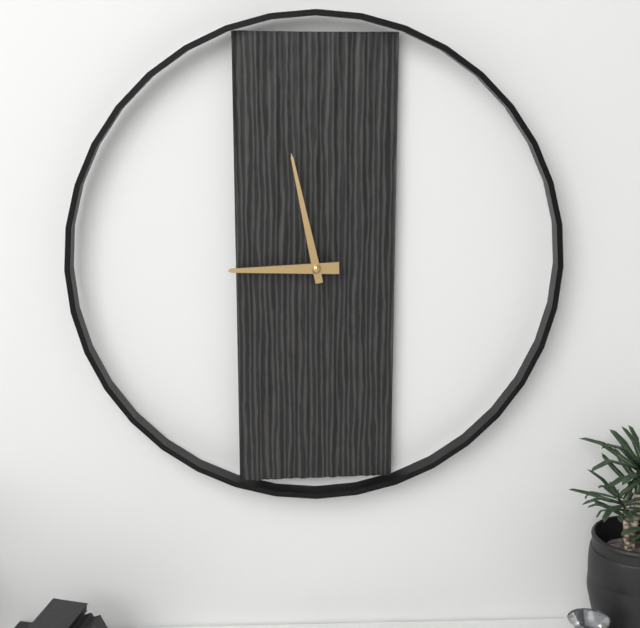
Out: h=8 m=58
